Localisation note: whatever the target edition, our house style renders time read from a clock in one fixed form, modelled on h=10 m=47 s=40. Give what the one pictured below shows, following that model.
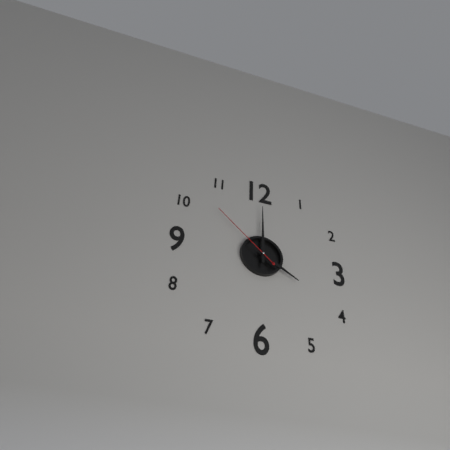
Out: h=4 m=0 s=52
